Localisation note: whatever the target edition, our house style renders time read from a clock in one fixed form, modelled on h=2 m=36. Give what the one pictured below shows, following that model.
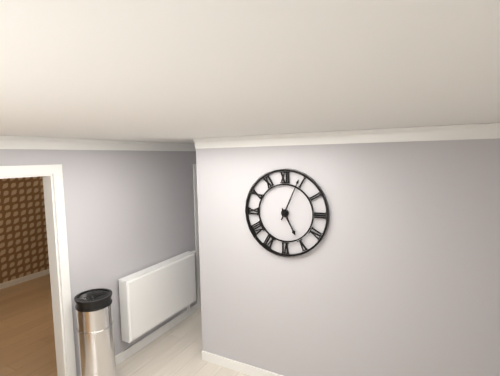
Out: h=5 m=4
